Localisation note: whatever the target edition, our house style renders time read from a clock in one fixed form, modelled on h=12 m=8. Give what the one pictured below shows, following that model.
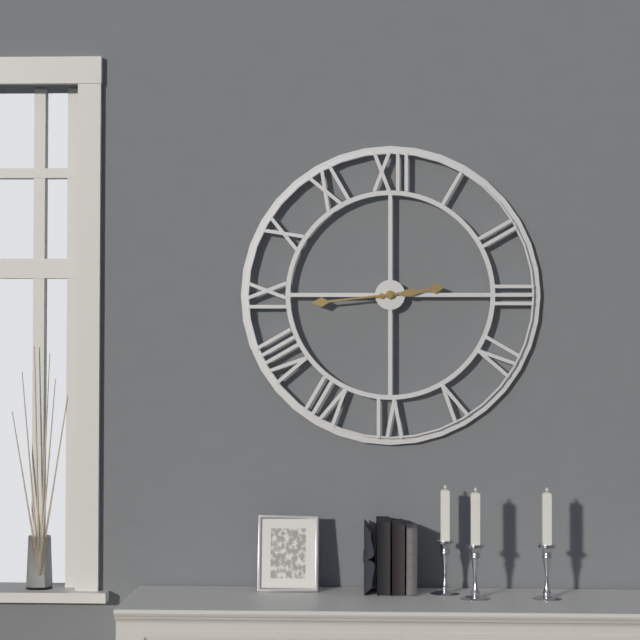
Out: h=2 m=44
